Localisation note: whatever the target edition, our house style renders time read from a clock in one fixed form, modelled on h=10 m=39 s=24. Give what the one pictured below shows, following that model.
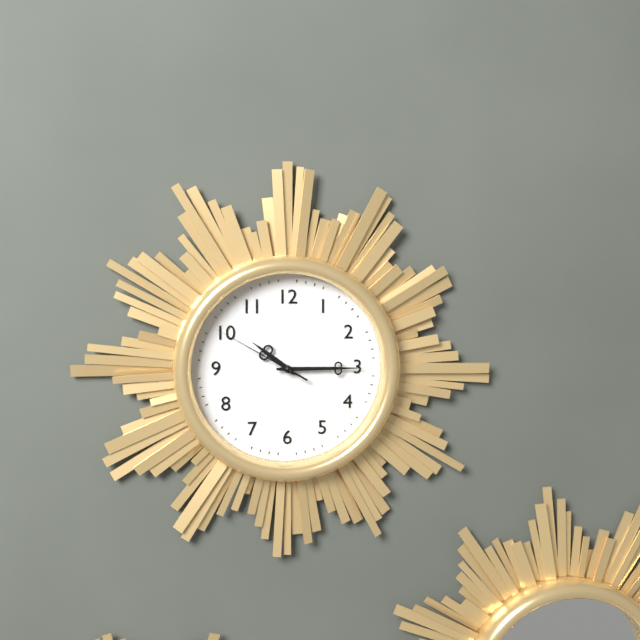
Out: h=10 m=15 s=50
